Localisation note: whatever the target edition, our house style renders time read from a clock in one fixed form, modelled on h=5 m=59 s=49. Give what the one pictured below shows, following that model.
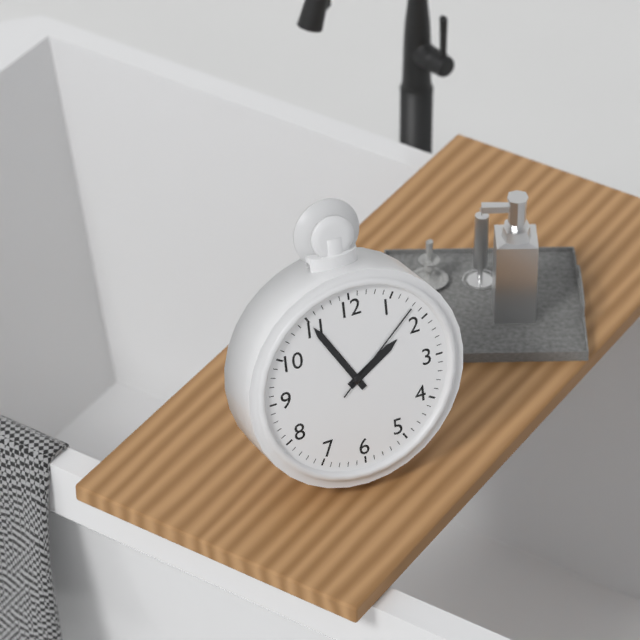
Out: h=1 m=55 s=8
